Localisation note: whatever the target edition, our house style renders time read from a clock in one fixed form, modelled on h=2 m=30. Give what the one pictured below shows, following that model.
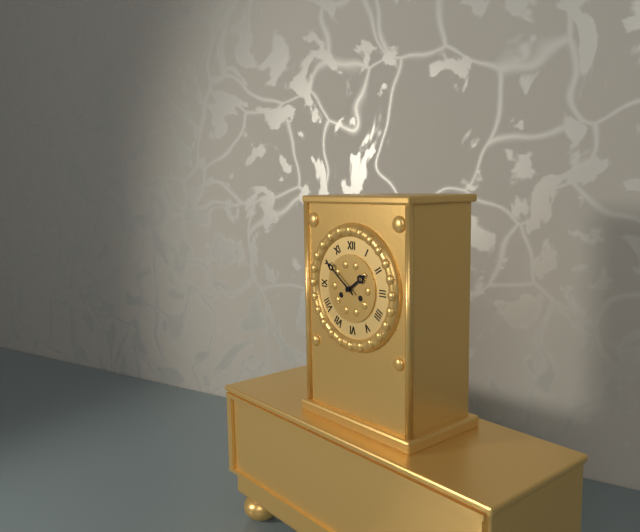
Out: h=1 m=51
